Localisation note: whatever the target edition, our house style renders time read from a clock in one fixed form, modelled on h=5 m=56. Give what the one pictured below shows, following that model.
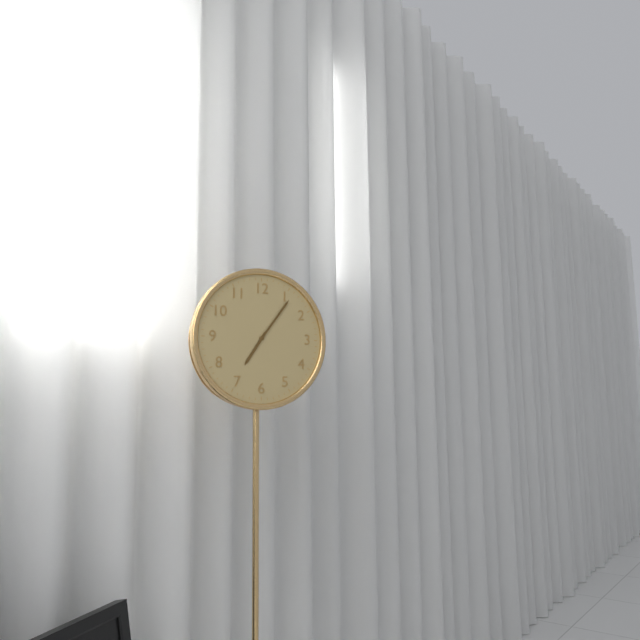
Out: h=7 m=6
